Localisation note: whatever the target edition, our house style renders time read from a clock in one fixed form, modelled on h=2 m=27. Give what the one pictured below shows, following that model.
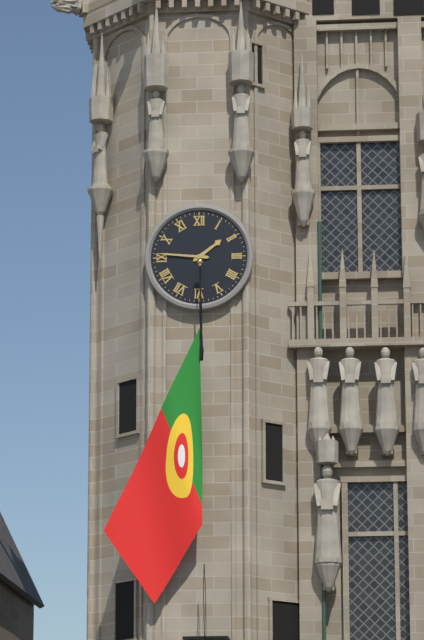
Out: h=1 m=46
